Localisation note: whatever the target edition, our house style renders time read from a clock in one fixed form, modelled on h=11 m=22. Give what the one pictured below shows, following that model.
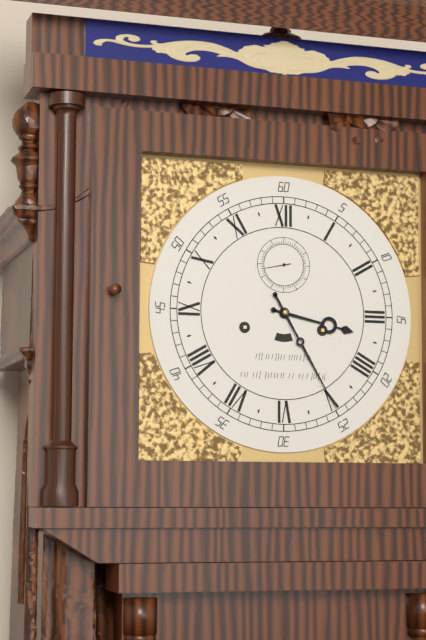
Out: h=3 m=25
